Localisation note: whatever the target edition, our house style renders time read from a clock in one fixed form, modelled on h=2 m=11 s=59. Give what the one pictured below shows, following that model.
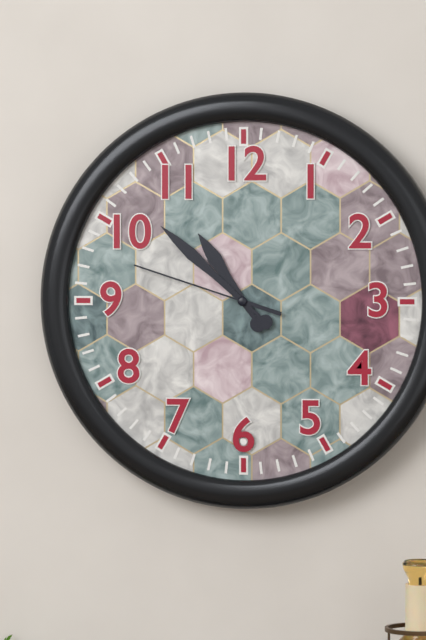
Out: h=10 m=52 s=48
